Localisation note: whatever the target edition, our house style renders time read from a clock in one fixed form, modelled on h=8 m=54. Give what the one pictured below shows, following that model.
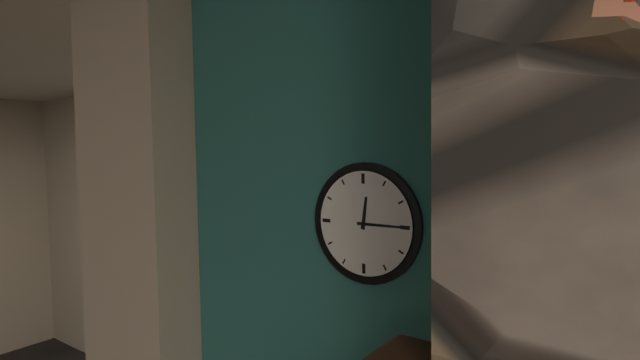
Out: h=12 m=15
